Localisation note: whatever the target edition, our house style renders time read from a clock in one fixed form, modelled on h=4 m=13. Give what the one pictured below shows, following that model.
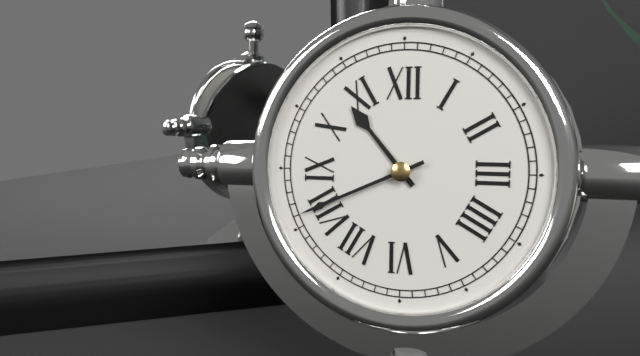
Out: h=10 m=41
